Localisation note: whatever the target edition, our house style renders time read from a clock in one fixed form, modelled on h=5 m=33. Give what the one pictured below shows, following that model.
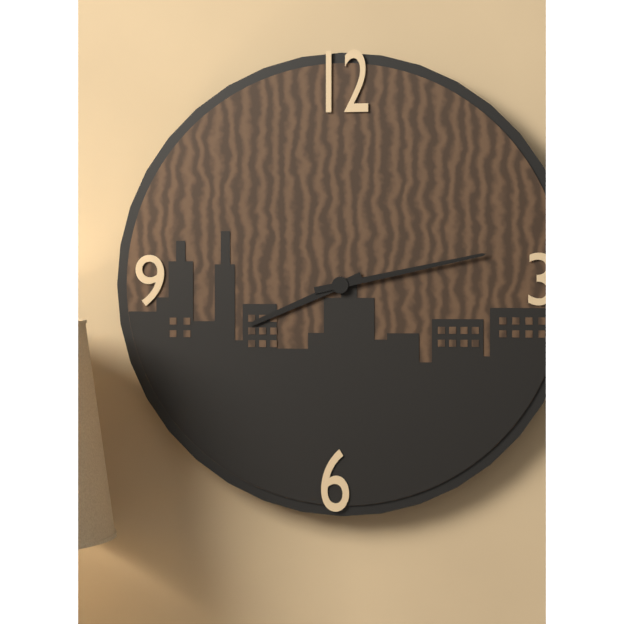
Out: h=8 m=13
